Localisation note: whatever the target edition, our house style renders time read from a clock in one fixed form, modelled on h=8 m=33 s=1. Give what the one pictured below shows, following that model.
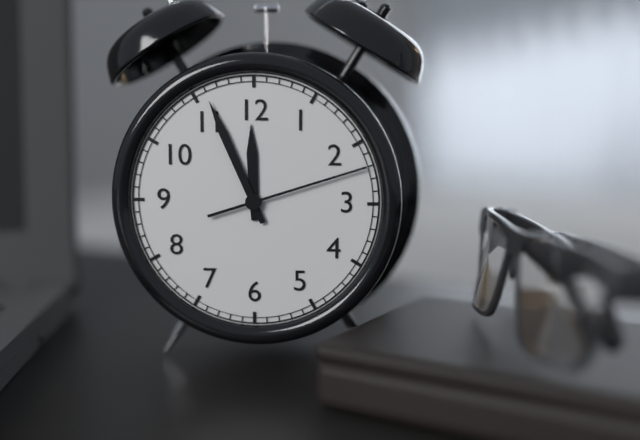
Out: h=11 m=56 s=12
